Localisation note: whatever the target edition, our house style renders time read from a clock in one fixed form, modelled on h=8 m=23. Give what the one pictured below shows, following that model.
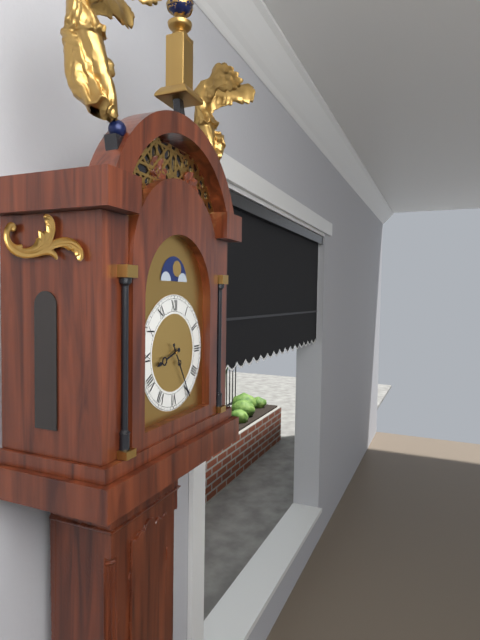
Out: h=8 m=25
